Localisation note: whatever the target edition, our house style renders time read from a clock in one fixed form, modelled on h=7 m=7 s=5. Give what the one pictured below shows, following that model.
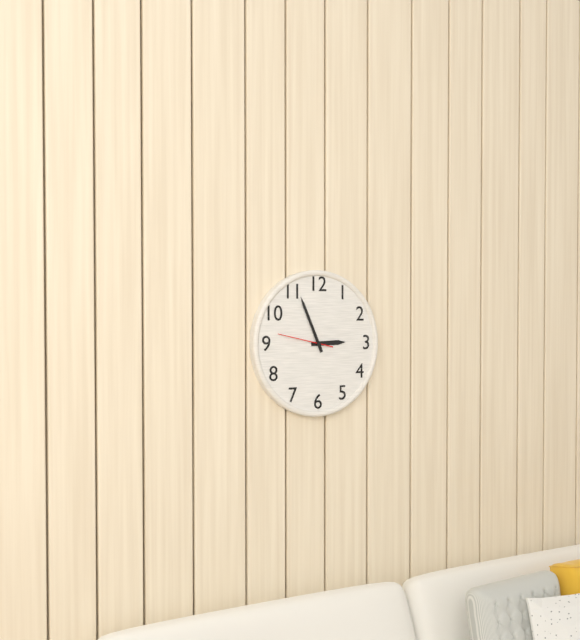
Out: h=2 m=56 s=47
